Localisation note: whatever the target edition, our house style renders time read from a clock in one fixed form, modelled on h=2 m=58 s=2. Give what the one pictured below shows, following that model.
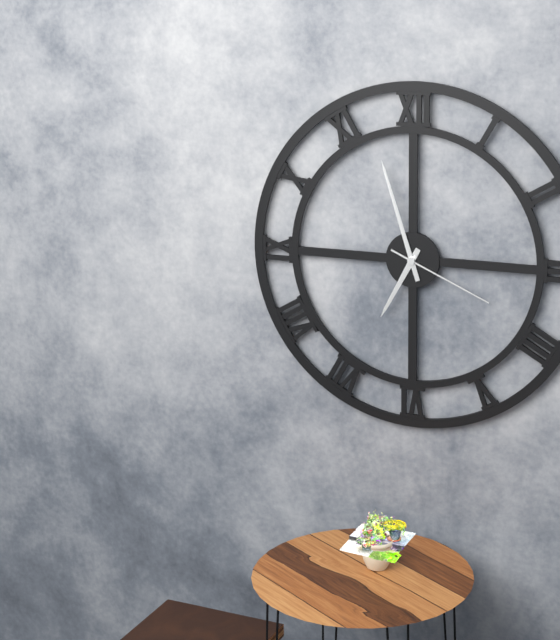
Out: h=6 m=57 s=19
